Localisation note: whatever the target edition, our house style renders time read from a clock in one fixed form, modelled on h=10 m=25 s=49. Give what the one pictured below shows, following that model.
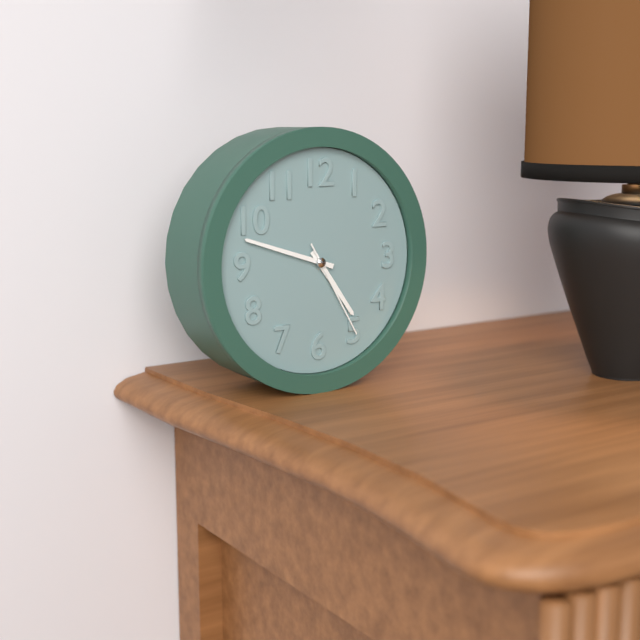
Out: h=4 m=48 s=25
